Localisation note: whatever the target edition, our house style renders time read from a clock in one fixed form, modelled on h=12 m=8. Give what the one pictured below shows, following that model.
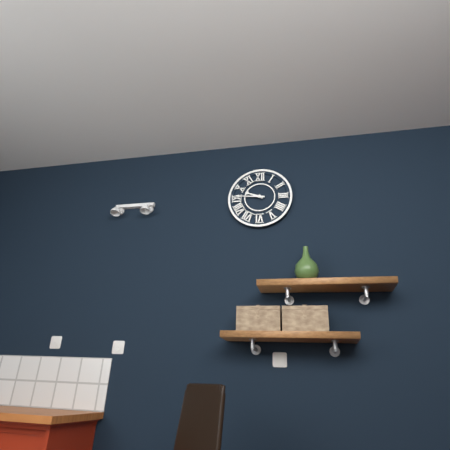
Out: h=9 m=46
